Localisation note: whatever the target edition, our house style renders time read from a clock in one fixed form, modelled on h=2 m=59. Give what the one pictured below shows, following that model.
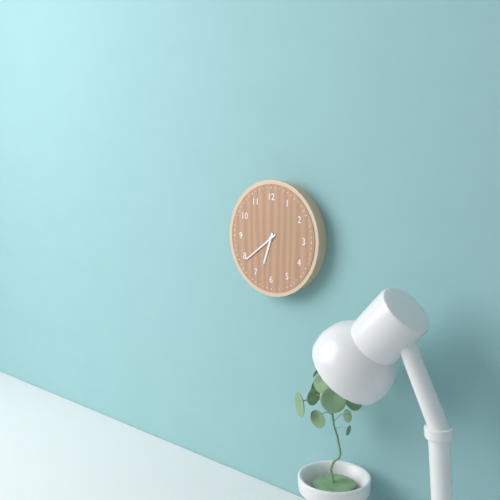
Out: h=6 m=39
